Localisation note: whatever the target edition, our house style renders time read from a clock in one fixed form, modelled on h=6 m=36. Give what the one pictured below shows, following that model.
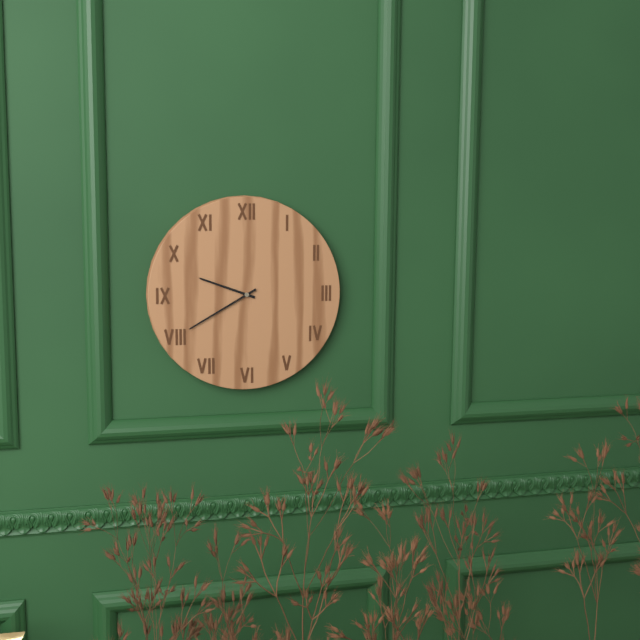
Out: h=9 m=40
